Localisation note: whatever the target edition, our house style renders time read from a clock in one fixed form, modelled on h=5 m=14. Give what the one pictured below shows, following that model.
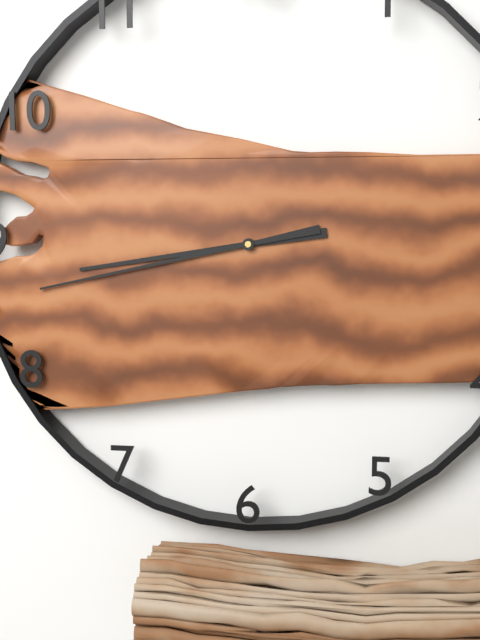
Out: h=8 m=43
